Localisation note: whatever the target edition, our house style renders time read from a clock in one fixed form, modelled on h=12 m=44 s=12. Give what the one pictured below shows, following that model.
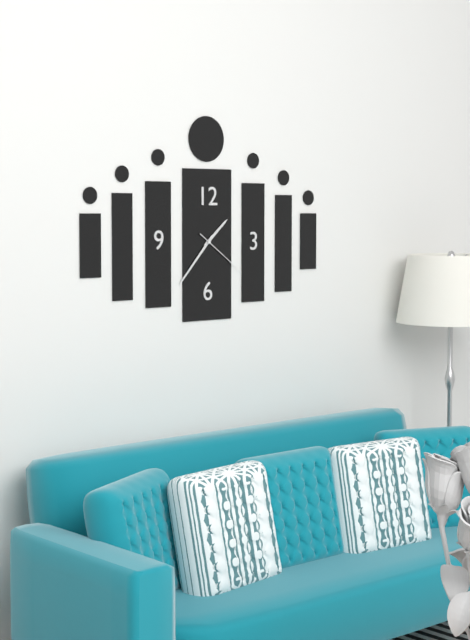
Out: h=1 m=37 s=21
